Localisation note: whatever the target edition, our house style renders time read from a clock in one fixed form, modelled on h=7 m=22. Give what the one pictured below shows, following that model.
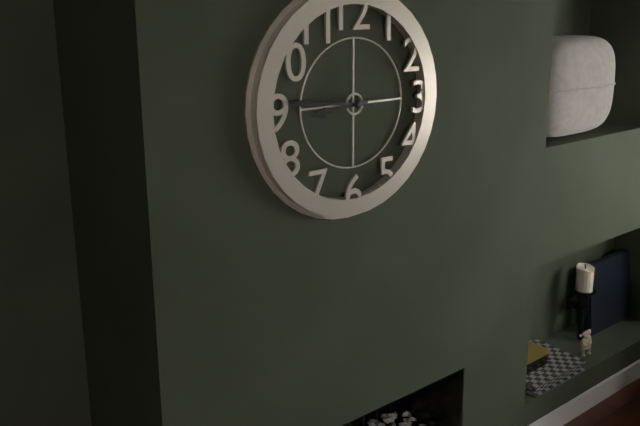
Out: h=8 m=46
